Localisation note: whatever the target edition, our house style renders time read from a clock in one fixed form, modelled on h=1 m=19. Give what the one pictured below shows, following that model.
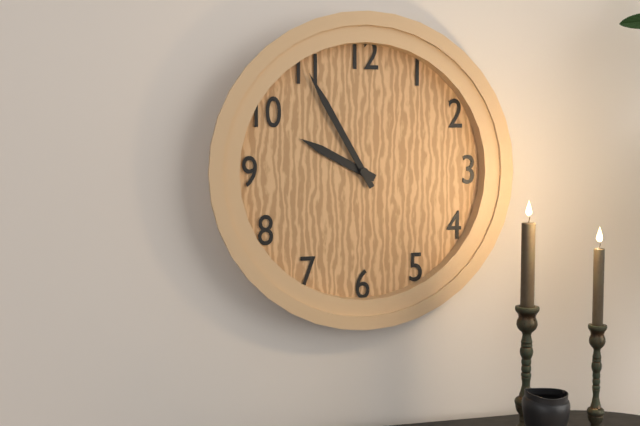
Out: h=9 m=55
